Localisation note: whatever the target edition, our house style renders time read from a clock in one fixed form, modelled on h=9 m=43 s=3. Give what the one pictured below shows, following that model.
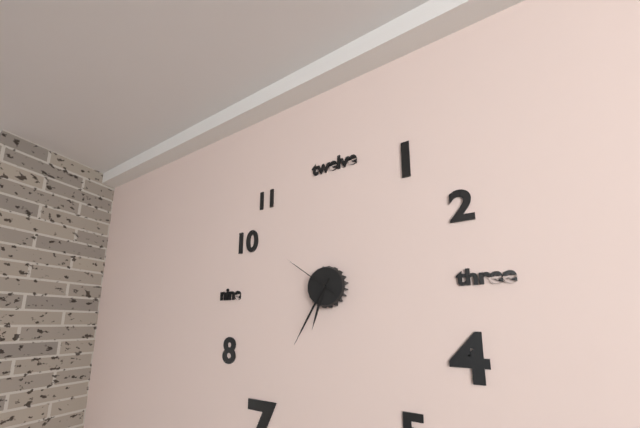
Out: h=6 m=35 s=51
